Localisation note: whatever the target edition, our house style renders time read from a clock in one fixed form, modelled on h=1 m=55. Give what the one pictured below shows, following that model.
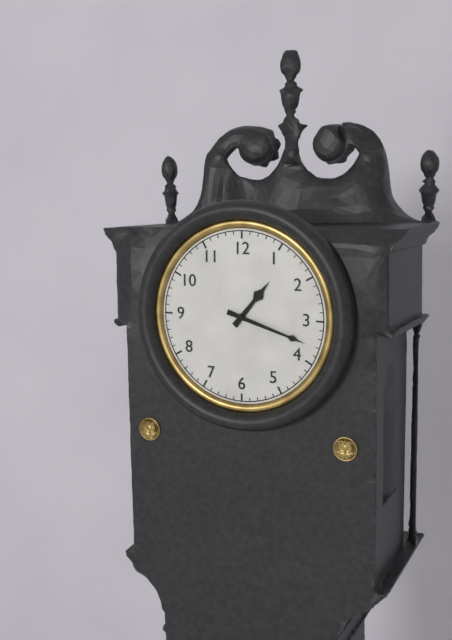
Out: h=1 m=18
